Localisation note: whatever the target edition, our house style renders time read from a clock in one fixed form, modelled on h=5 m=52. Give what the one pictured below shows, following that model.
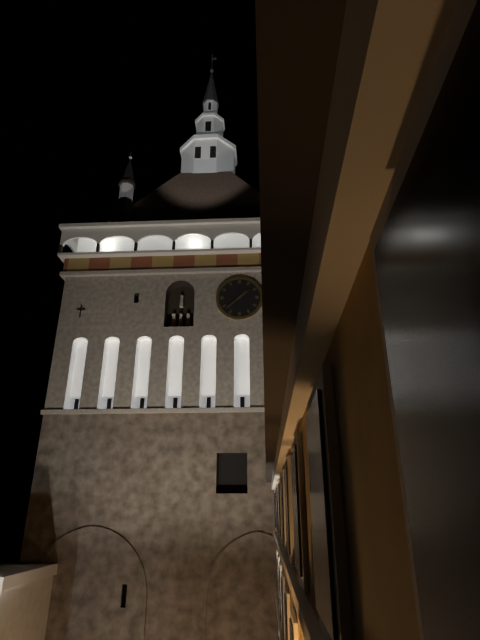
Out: h=1 m=38
